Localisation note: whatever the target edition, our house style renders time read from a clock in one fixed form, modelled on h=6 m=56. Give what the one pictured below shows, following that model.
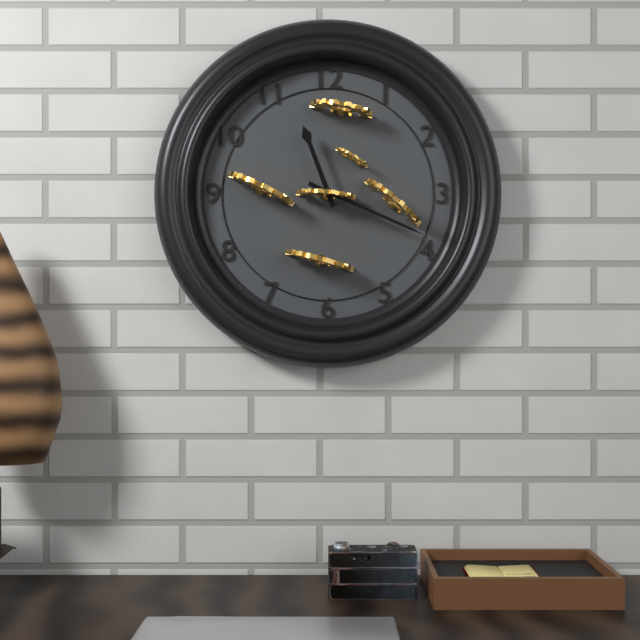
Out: h=11 m=19
